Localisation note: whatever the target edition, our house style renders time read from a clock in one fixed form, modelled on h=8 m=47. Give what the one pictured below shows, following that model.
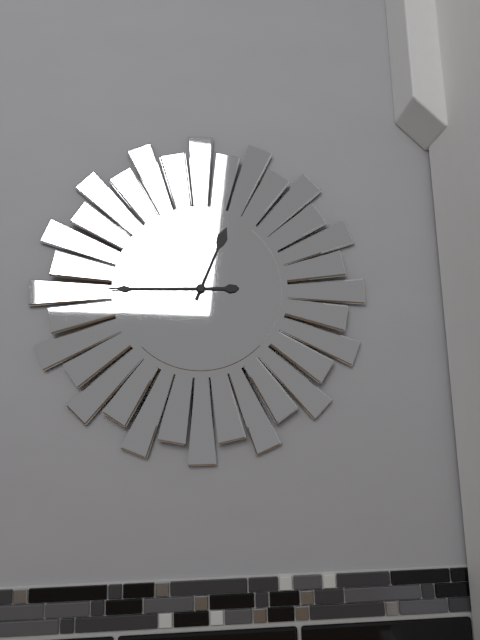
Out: h=12 m=45
